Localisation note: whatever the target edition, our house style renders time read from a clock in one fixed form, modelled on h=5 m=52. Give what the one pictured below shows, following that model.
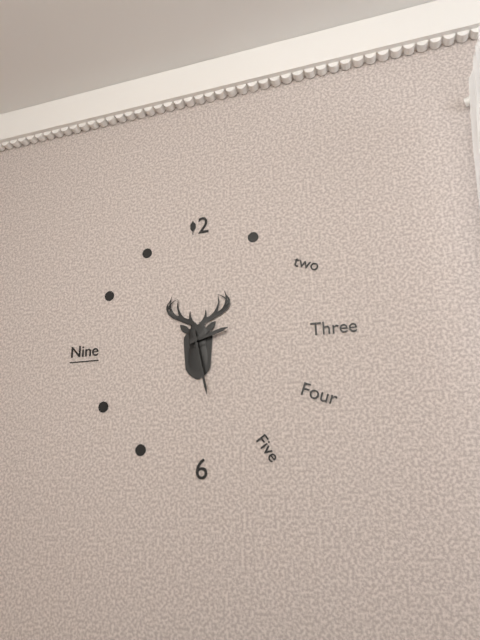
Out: h=2 m=28
